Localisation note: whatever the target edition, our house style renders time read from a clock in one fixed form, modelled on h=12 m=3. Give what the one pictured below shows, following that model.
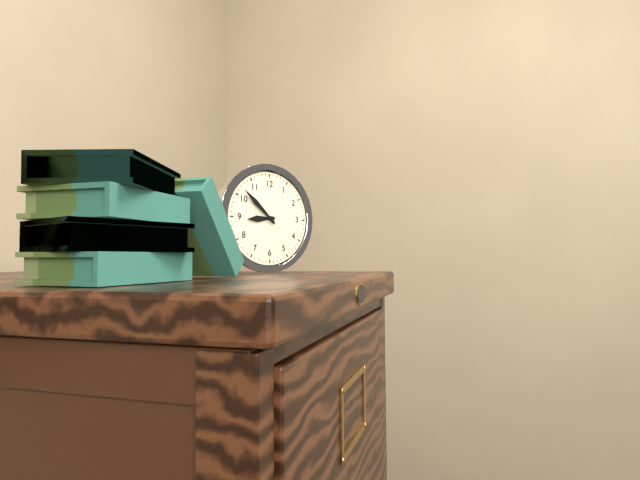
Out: h=8 m=52
